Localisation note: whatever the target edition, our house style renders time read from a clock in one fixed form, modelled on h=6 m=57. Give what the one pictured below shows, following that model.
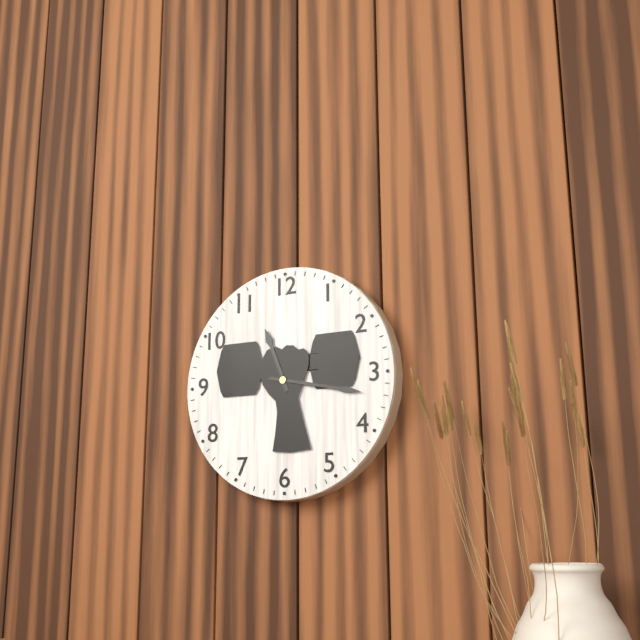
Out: h=11 m=17
